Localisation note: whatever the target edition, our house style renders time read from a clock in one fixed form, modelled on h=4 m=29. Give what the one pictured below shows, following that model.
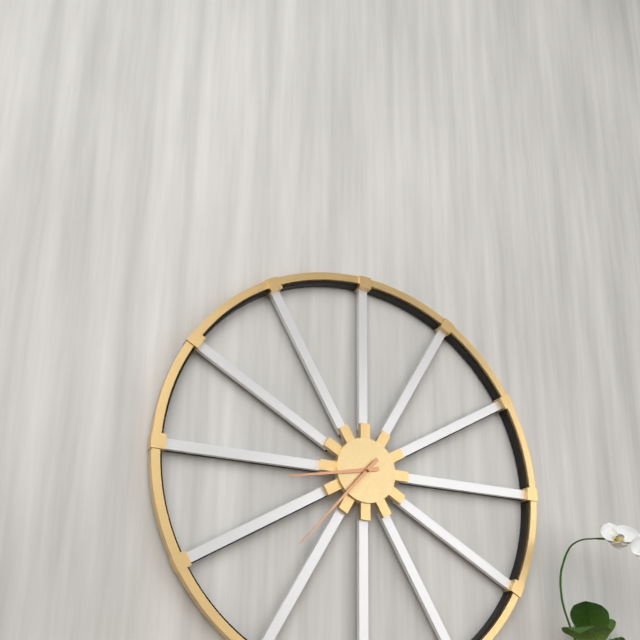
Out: h=8 m=37
